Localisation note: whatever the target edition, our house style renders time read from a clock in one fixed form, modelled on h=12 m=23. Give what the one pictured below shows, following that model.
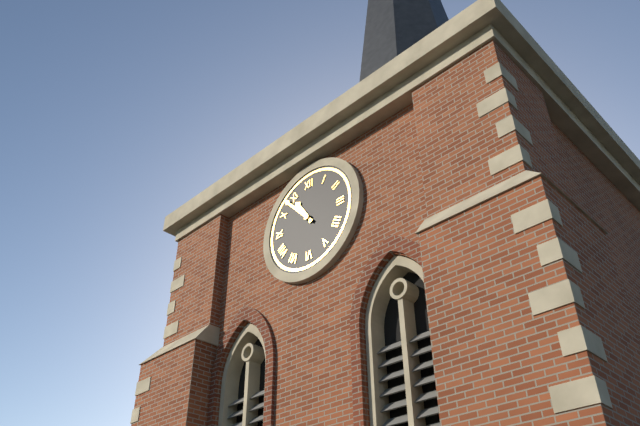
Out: h=10 m=53
